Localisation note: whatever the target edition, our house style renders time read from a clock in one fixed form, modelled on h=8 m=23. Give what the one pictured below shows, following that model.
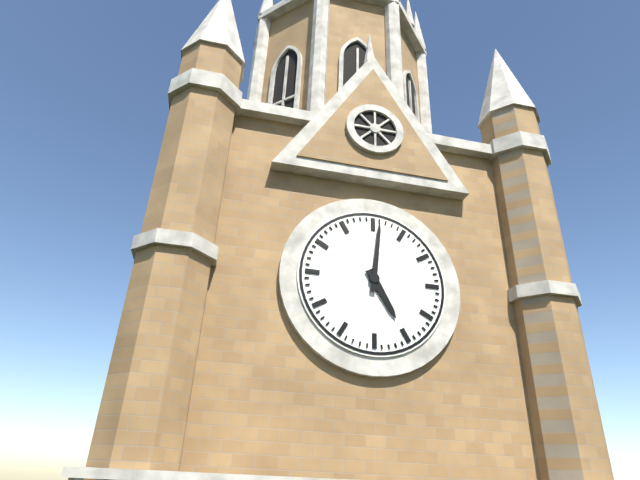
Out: h=5 m=1
